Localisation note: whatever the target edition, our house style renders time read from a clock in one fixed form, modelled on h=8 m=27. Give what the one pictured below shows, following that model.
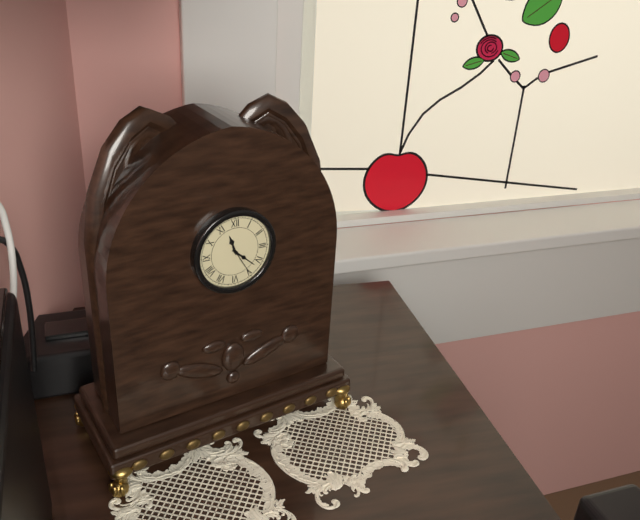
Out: h=11 m=22
